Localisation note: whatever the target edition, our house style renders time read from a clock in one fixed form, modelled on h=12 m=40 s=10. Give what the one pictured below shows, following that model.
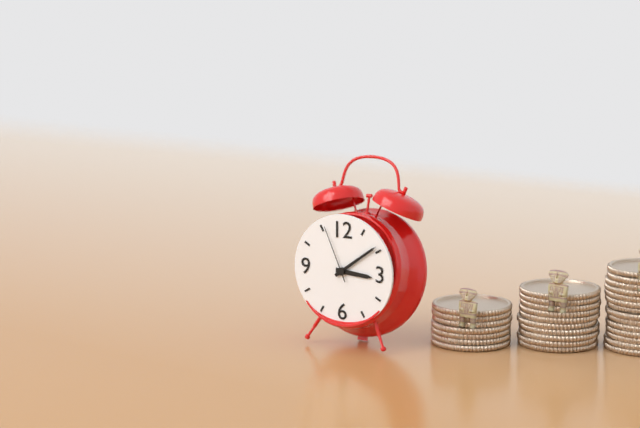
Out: h=3 m=9 s=56
